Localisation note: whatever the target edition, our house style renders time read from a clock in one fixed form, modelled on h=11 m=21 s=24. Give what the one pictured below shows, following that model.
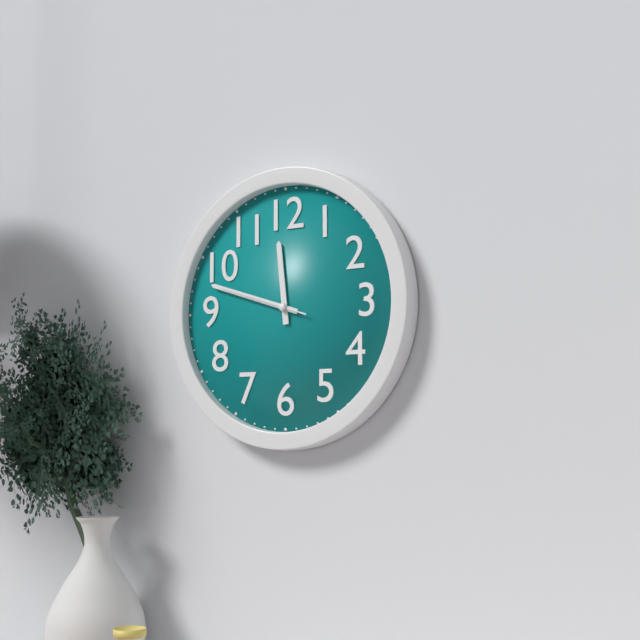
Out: h=11 m=48 s=48
